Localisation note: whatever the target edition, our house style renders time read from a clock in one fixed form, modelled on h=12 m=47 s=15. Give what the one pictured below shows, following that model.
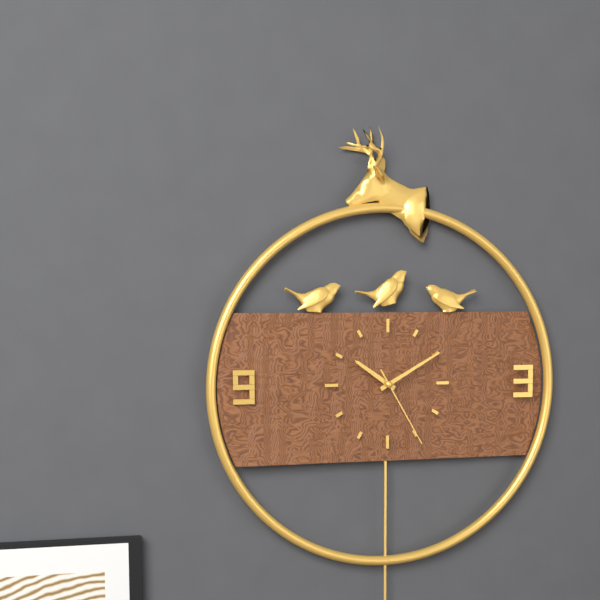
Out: h=10 m=10 s=25
